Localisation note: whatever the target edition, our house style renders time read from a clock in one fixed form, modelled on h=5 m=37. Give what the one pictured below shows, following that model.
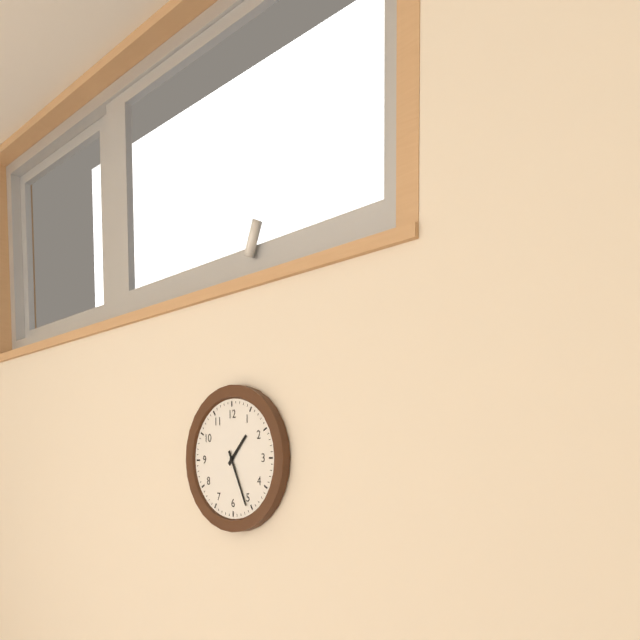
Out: h=1 m=26
